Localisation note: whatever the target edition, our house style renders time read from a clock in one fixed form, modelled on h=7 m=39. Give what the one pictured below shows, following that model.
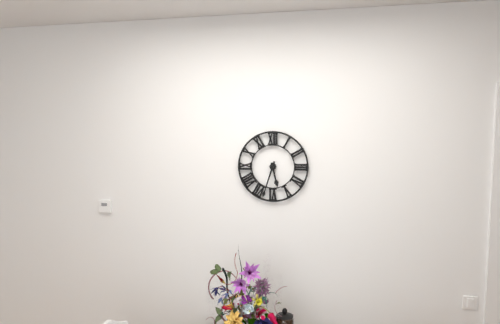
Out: h=5 m=33
